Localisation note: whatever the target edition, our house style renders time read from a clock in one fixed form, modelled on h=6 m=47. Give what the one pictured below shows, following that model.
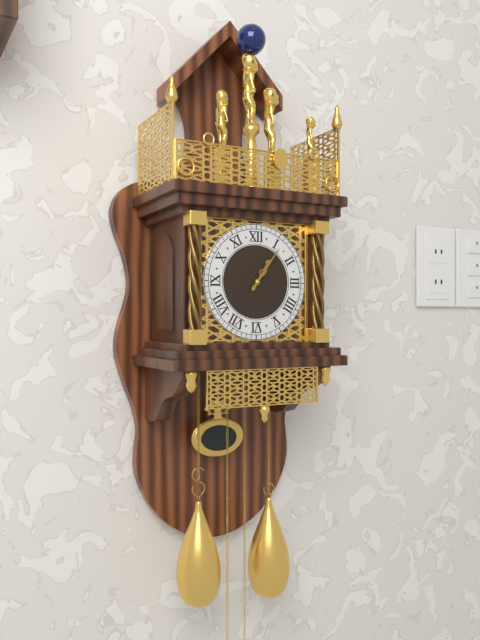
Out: h=1 m=6
